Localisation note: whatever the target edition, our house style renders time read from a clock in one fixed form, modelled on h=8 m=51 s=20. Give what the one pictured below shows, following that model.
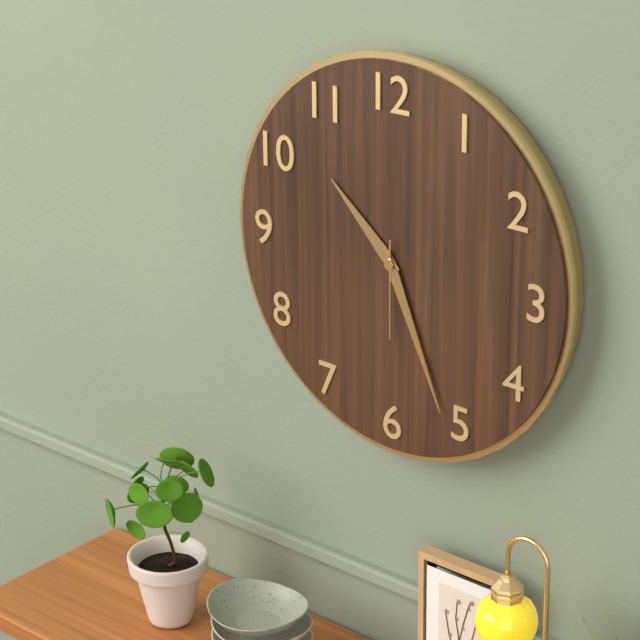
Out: h=10 m=26 s=30
